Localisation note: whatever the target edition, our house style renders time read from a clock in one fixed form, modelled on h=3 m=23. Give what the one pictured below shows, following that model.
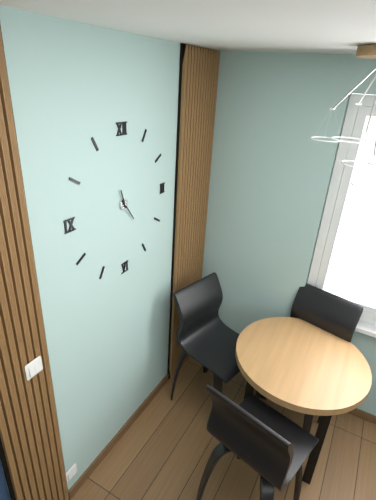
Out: h=11 m=24
